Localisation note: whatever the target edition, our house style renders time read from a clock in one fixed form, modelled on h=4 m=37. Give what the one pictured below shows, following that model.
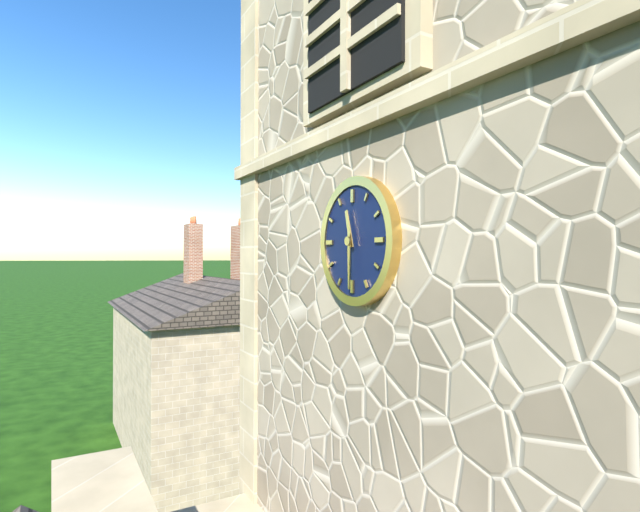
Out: h=11 m=30
